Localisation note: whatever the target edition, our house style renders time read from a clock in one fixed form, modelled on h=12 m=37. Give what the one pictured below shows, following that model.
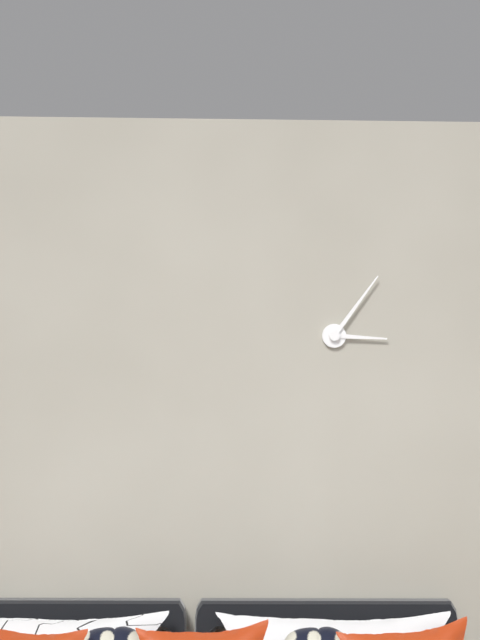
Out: h=3 m=6
